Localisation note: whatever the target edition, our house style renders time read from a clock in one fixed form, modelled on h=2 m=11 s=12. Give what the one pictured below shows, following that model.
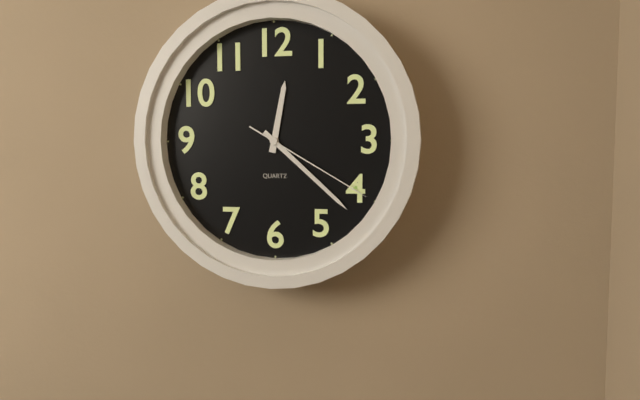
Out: h=12 m=22 s=20
